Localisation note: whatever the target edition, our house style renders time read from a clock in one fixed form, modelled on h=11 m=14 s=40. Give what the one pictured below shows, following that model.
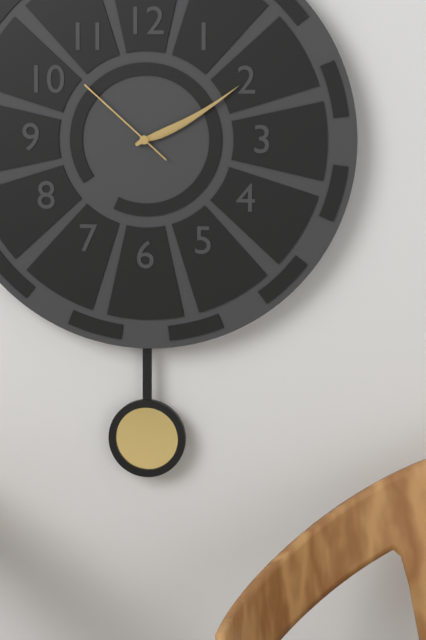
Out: h=2 m=10 s=52
